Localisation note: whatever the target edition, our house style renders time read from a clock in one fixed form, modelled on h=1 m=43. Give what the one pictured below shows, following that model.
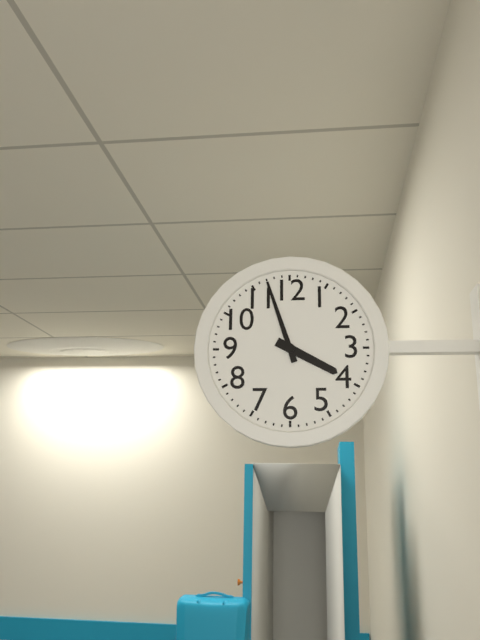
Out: h=3 m=57
